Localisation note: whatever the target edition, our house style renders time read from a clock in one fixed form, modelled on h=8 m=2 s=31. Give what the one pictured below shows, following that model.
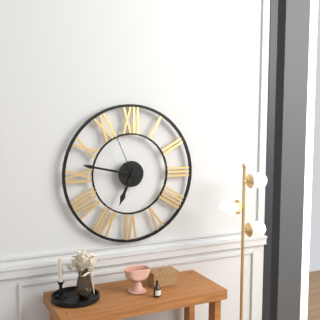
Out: h=6 m=47 s=56
